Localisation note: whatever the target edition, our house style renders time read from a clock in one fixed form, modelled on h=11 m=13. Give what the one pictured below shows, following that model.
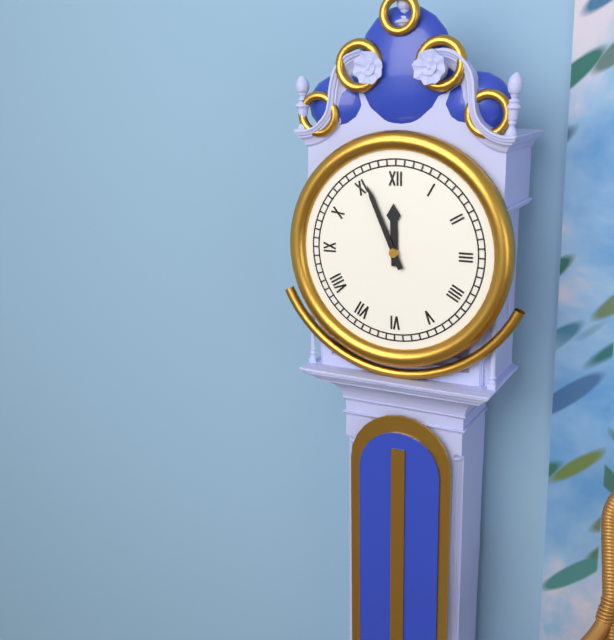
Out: h=11 m=56
